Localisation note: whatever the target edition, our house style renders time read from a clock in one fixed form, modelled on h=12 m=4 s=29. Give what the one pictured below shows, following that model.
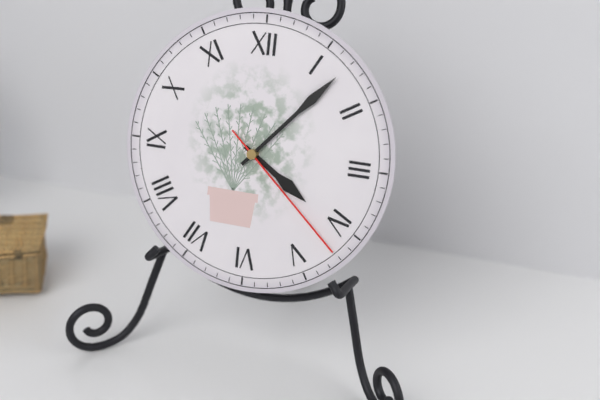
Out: h=4 m=7 s=22
